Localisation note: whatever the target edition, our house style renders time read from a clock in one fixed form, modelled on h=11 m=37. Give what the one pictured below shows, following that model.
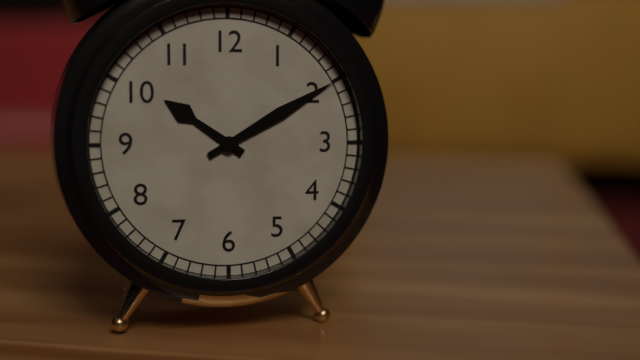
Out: h=10 m=10
